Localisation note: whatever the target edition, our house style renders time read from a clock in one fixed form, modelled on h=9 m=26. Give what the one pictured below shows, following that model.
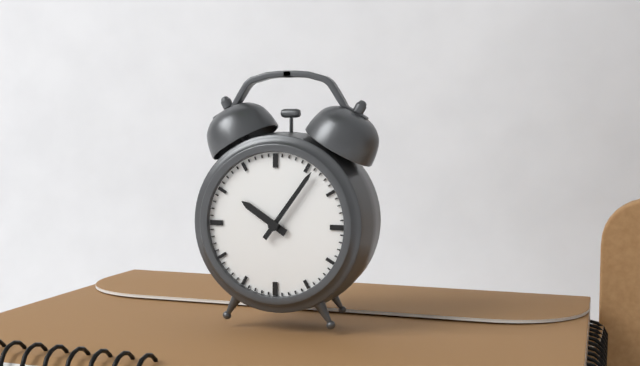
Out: h=10 m=6
